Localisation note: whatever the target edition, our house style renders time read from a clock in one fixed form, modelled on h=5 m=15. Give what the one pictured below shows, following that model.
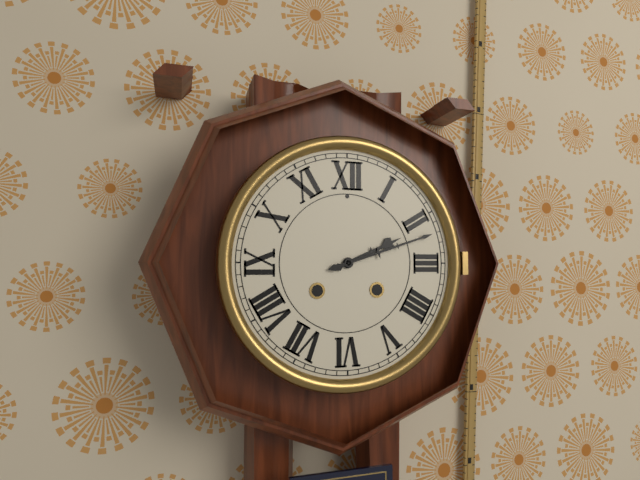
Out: h=2 m=12
